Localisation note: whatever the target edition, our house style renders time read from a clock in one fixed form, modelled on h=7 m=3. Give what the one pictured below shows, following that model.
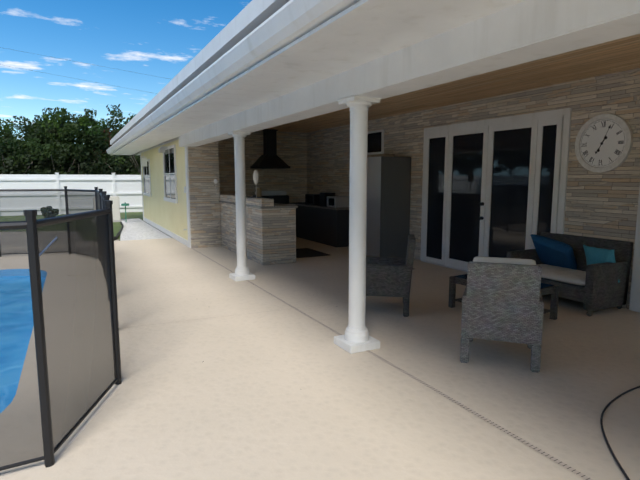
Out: h=7 m=4
